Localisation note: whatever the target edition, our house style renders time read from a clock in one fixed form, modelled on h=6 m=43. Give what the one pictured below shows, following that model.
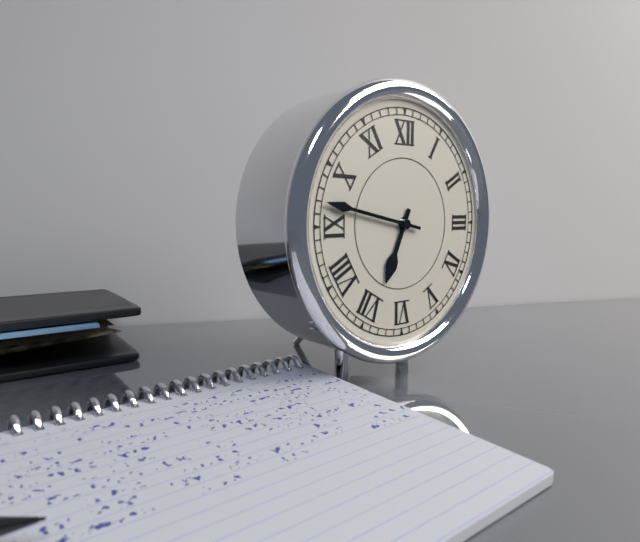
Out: h=6 m=47
